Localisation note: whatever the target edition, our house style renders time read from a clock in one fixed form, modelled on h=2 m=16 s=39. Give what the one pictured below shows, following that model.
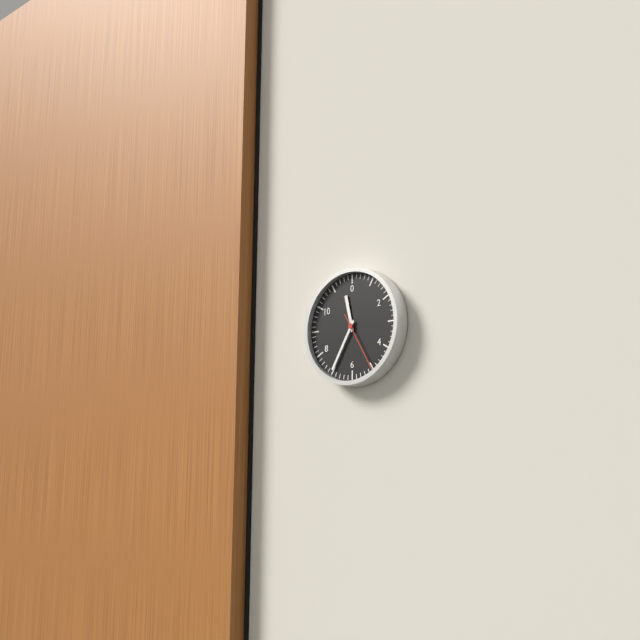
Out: h=11 m=35 s=25
